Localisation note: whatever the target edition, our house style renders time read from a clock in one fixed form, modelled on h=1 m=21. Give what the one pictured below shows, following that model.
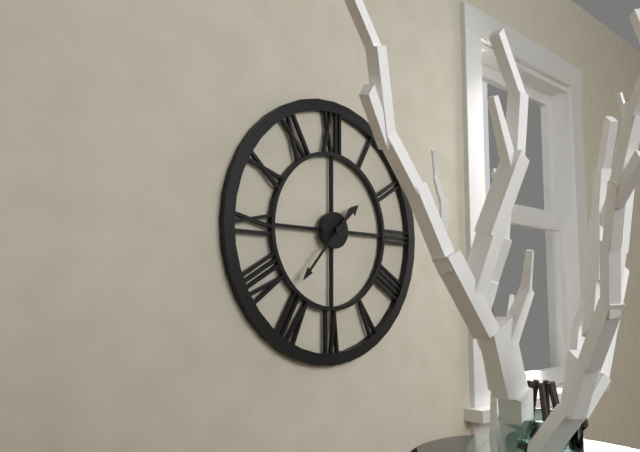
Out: h=1 m=37
